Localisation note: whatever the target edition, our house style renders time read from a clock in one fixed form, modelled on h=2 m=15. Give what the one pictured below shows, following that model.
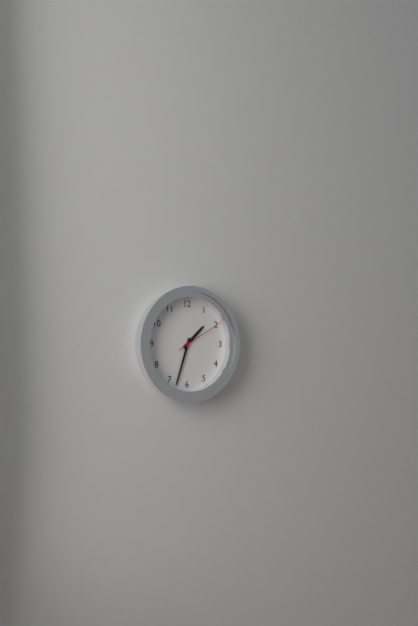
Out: h=1 m=33
